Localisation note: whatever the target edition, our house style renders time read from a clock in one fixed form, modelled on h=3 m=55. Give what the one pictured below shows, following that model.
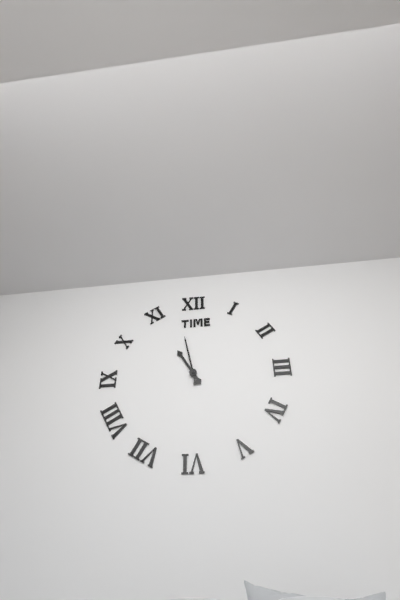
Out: h=10 m=58
